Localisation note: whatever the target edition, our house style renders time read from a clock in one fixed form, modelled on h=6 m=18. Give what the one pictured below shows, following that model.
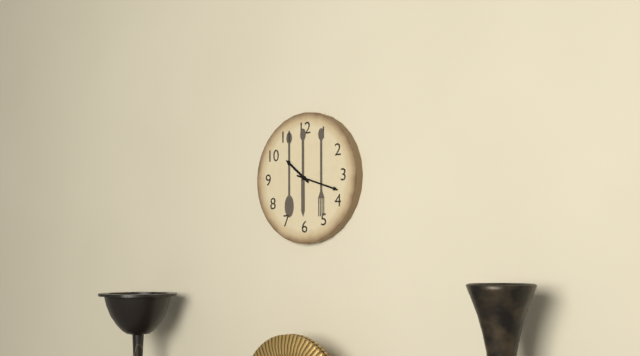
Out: h=10 m=18
